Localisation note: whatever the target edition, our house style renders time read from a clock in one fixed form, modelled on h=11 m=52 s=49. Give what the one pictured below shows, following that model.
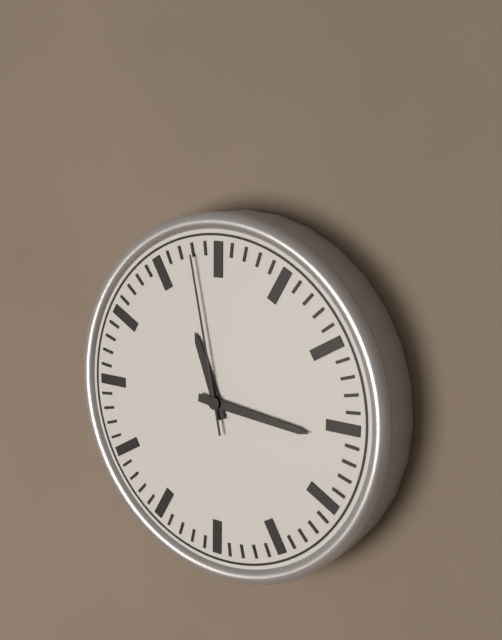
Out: h=11 m=16 s=58
